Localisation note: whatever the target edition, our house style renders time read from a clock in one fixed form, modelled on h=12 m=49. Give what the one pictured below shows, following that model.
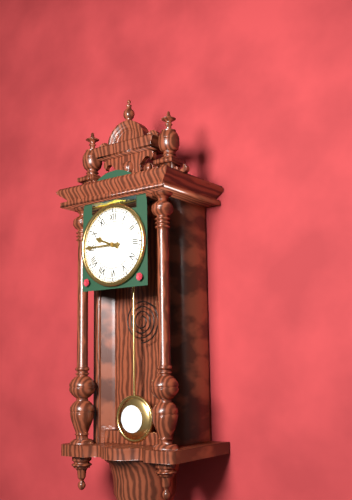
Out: h=9 m=45
